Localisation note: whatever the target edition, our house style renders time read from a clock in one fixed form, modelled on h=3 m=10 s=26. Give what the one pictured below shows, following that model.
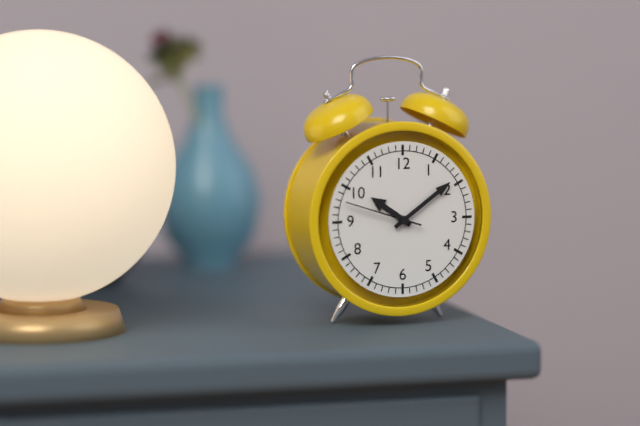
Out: h=10 m=9 s=48
